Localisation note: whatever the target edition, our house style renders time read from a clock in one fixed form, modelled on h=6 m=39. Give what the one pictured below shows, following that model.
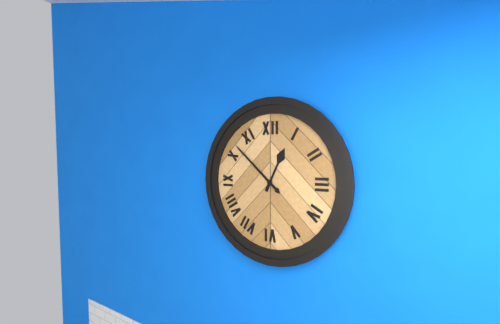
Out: h=12 m=52
